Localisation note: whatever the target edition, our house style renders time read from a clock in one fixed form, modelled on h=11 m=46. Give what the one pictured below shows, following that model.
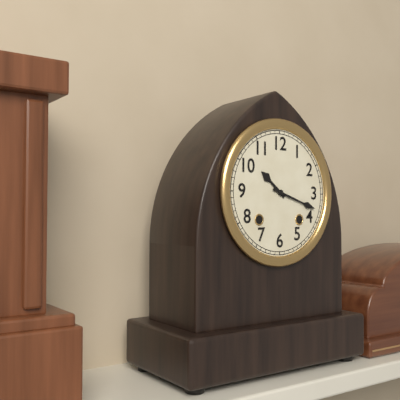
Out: h=10 m=18
